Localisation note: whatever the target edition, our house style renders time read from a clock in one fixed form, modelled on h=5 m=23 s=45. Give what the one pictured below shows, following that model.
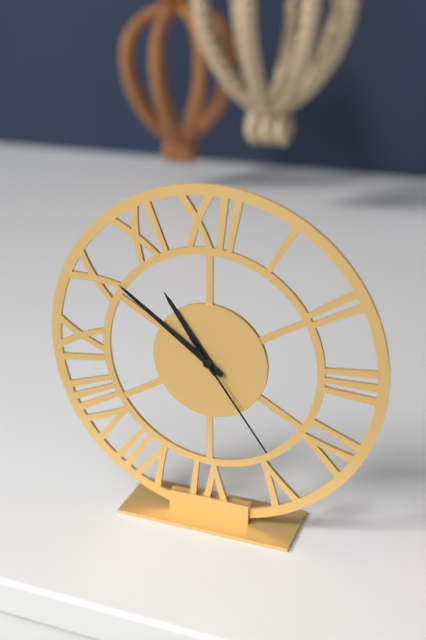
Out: h=10 m=51 s=24
